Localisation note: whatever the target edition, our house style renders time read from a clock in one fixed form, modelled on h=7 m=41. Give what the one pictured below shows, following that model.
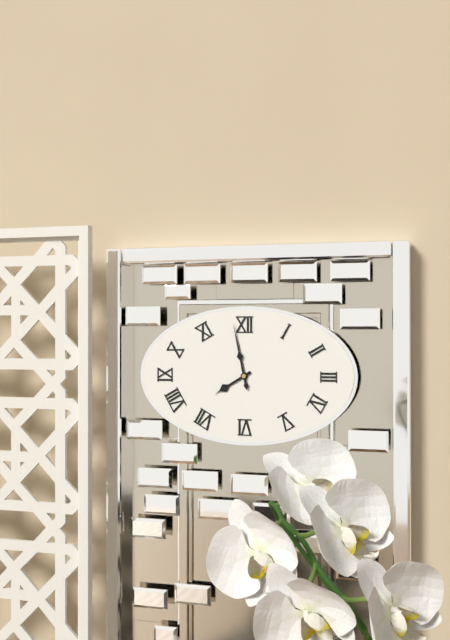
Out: h=7 m=58
